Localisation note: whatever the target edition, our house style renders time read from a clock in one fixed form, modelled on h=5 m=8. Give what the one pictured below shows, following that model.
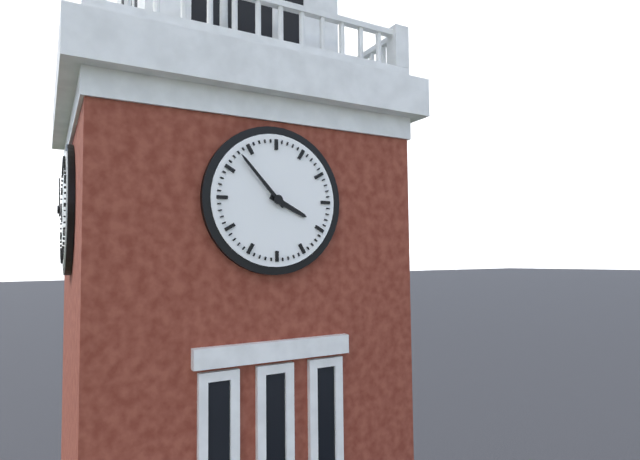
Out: h=3 m=53
